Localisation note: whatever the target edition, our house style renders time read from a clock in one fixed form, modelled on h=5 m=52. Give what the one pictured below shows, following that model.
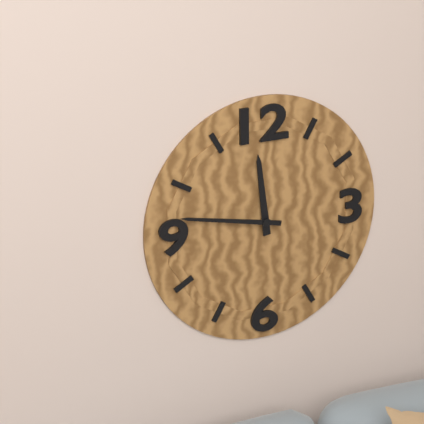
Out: h=11 m=47
